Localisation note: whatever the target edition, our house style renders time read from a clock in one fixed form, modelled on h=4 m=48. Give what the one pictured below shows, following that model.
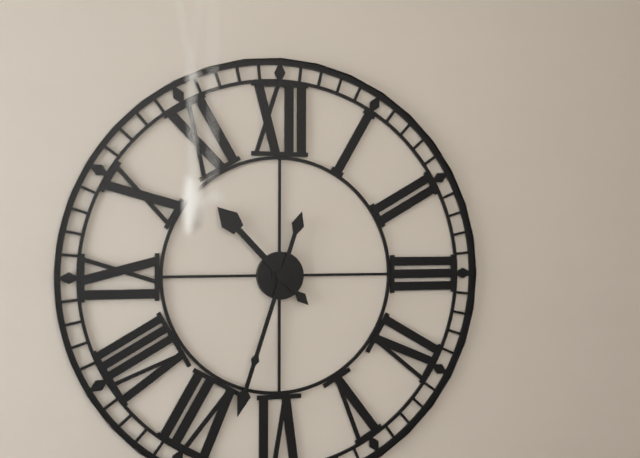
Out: h=10 m=33
